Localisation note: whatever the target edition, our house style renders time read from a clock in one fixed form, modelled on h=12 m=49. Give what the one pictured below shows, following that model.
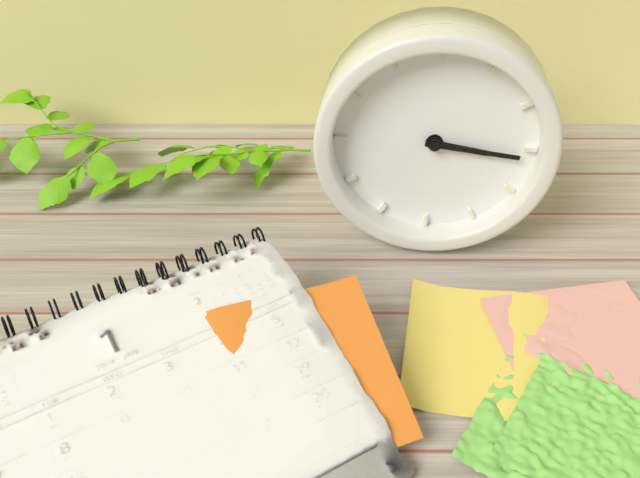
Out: h=3 m=16
